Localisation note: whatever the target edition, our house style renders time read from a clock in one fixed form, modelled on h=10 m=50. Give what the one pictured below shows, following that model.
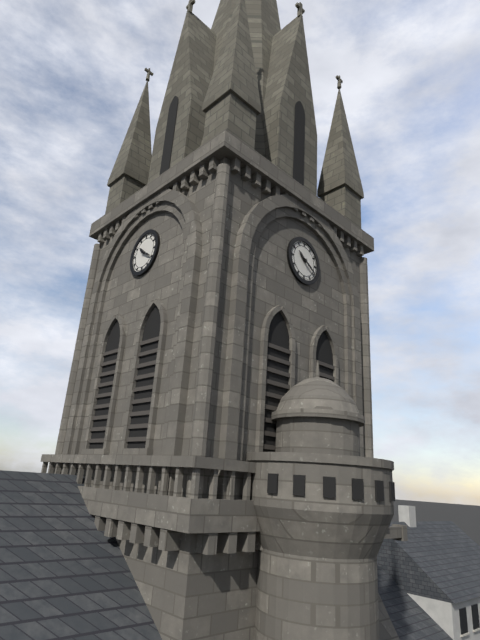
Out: h=10 m=20
